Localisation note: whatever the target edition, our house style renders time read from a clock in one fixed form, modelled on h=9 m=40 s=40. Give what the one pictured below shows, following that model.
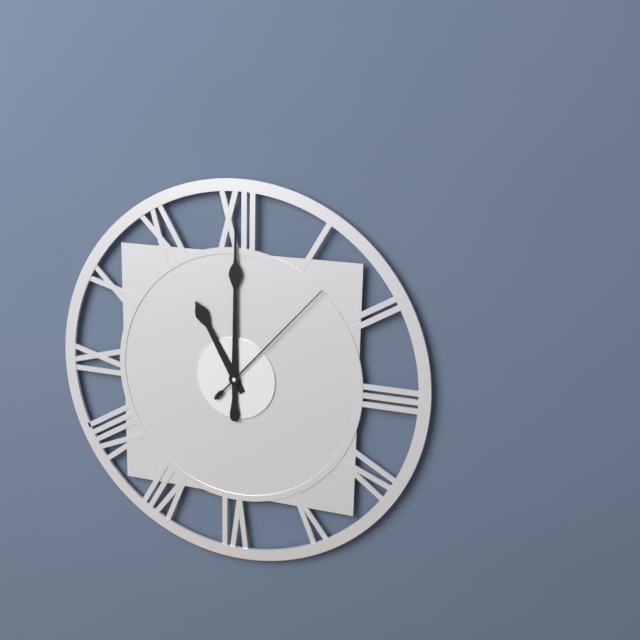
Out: h=11 m=0 s=7
